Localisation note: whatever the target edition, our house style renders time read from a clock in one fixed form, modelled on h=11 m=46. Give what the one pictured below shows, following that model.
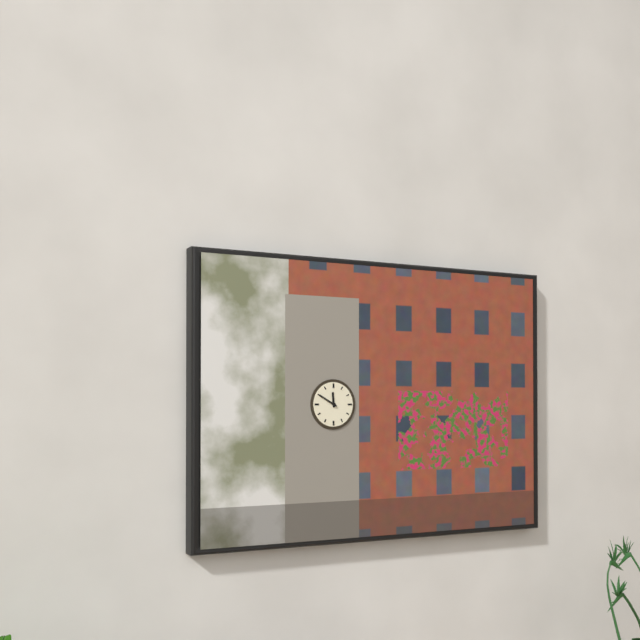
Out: h=11 m=50
